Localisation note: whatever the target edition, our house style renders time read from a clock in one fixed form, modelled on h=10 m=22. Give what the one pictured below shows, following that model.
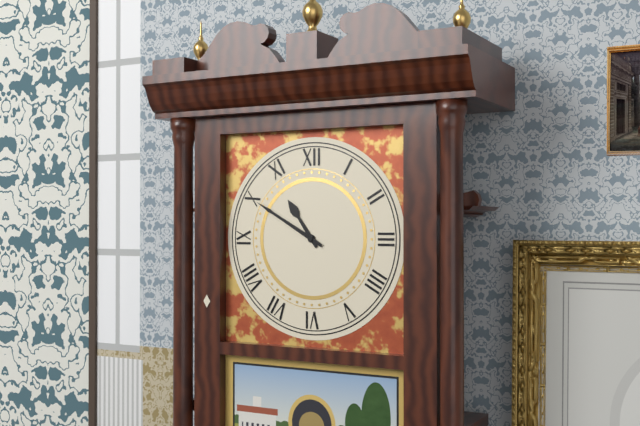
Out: h=10 m=50
